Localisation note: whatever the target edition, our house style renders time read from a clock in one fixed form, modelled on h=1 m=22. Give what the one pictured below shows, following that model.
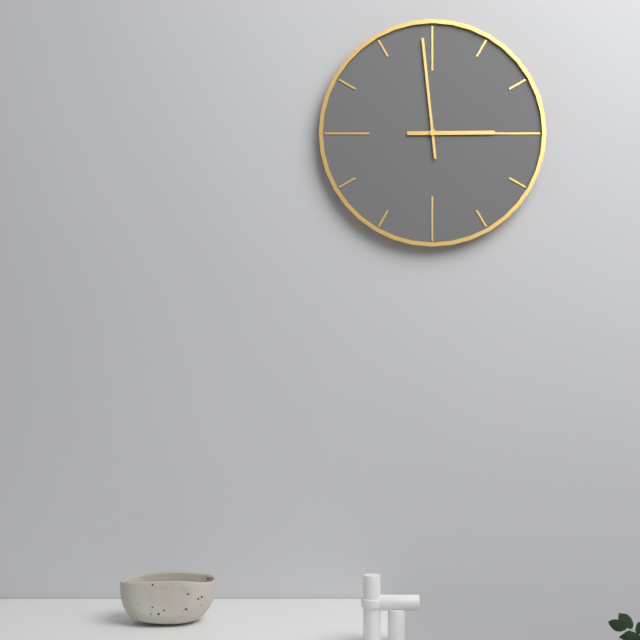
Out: h=2 m=59
